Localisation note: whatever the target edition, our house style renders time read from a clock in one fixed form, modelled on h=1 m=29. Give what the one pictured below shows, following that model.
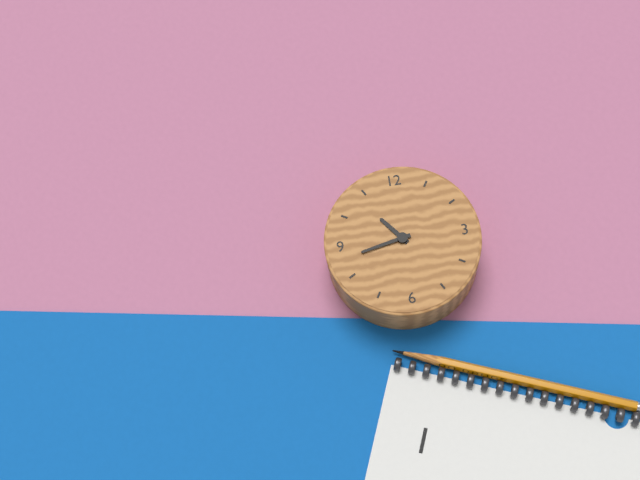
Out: h=10 m=43
